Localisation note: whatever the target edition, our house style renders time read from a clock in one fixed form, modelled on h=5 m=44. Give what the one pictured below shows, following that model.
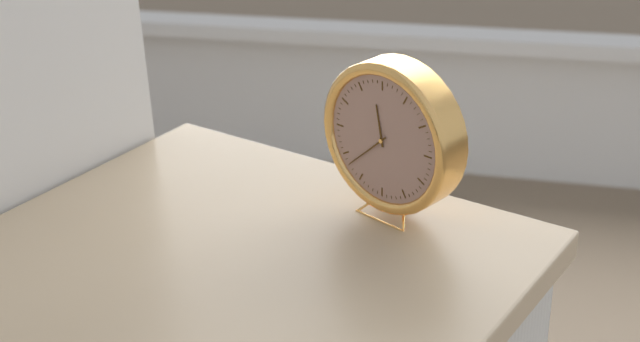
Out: h=11 m=38
